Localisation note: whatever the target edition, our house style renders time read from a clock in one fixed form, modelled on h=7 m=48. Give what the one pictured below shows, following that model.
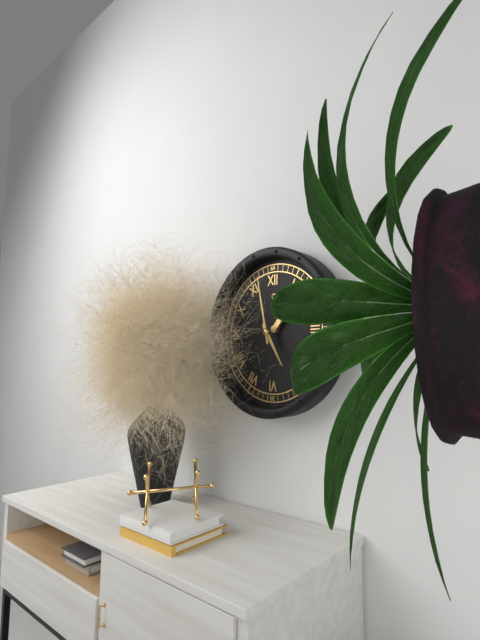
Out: h=4 m=58
